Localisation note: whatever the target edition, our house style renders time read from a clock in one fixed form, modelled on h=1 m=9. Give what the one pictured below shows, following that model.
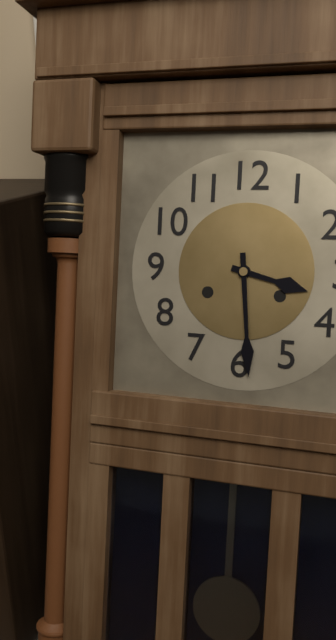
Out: h=3 m=29
